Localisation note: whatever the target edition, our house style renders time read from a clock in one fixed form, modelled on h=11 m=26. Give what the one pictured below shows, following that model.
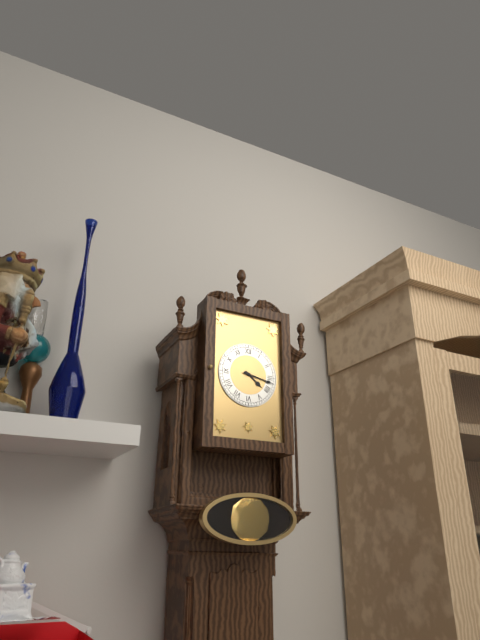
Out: h=4 m=17
